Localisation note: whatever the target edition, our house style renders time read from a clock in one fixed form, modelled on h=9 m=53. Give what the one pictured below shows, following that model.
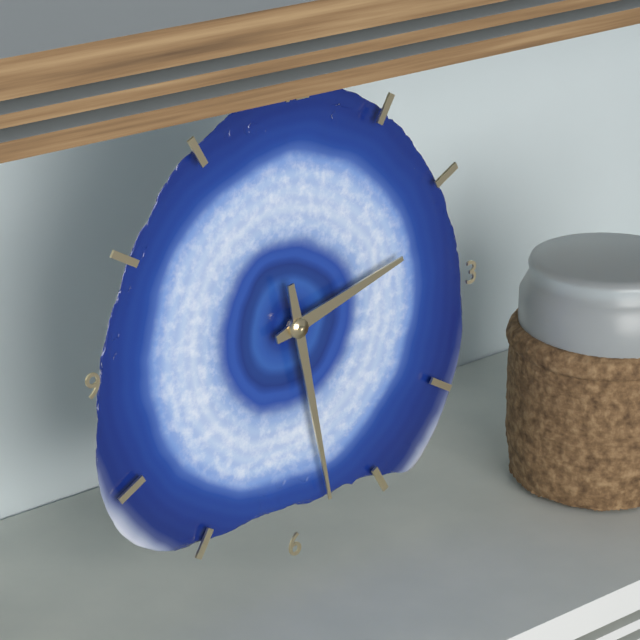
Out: h=2 m=28
